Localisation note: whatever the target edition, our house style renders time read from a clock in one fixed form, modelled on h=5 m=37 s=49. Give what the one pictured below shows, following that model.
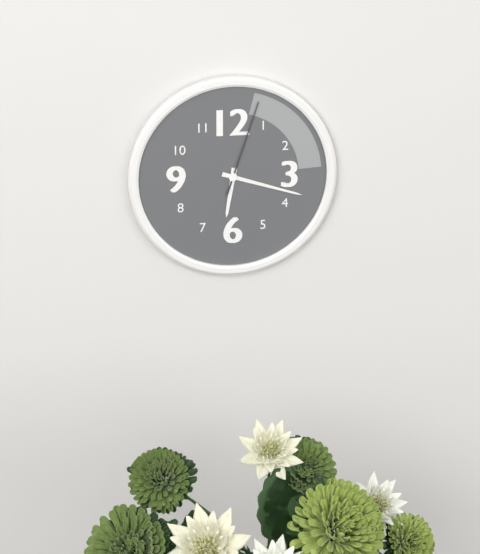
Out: h=6 m=18 s=3
